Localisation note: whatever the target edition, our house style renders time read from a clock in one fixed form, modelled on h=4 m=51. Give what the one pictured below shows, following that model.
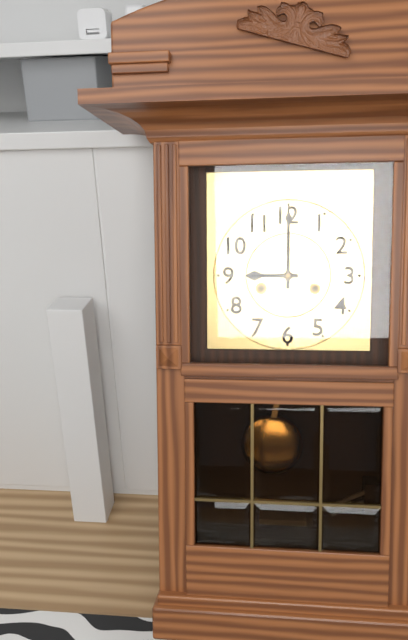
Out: h=9 m=0
